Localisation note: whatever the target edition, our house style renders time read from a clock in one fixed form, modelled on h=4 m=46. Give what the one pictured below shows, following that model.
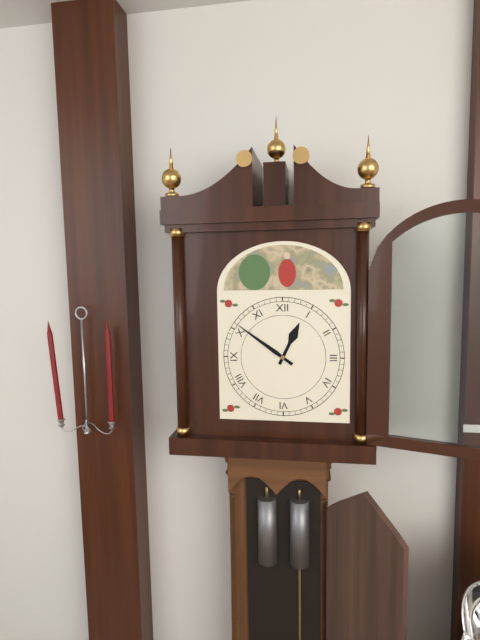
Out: h=12 m=51
